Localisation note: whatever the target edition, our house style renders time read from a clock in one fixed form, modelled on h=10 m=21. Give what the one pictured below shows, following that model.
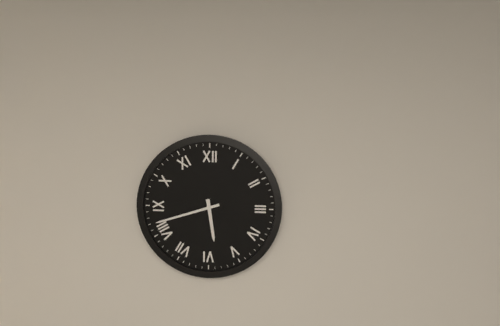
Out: h=5 m=42
